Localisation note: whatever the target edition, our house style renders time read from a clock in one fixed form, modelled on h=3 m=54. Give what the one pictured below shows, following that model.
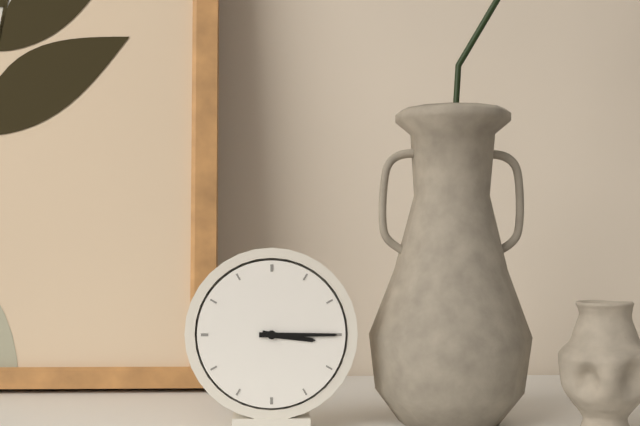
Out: h=3 m=15
